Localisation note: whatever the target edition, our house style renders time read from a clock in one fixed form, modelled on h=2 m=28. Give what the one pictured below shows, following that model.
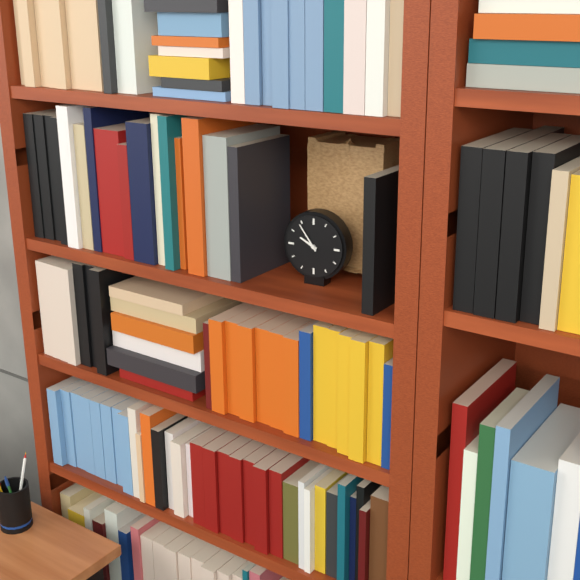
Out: h=9 m=54
